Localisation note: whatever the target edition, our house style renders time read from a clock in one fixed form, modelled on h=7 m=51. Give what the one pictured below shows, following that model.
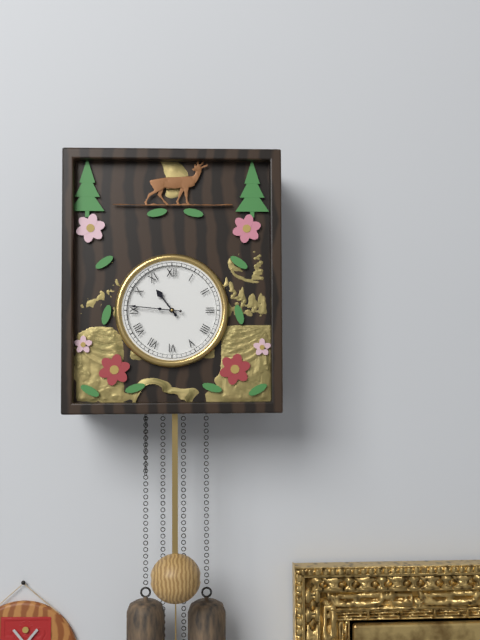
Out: h=10 m=46
